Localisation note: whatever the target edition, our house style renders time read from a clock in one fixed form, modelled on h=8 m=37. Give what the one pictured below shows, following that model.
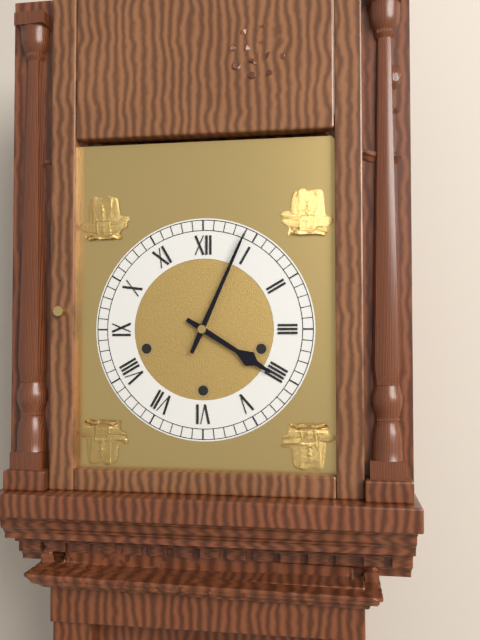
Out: h=4 m=4
